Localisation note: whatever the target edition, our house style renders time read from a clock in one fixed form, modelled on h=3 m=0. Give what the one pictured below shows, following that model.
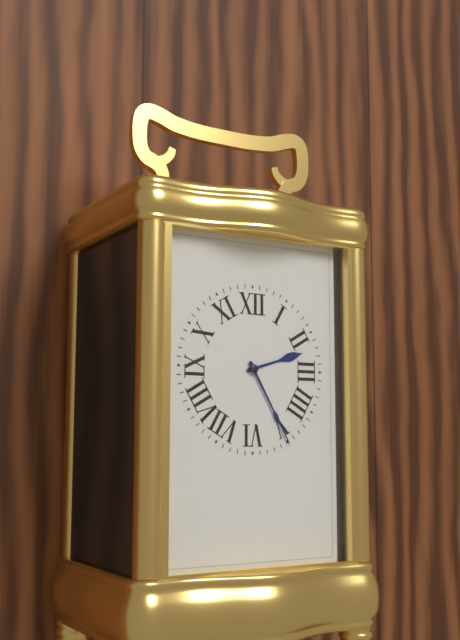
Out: h=2 m=25
